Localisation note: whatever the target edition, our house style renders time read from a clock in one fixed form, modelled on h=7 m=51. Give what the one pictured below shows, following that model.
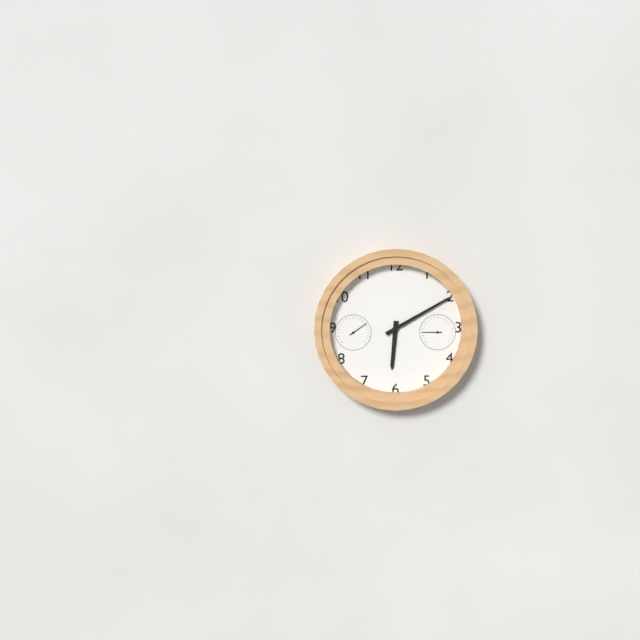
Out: h=6 m=10
